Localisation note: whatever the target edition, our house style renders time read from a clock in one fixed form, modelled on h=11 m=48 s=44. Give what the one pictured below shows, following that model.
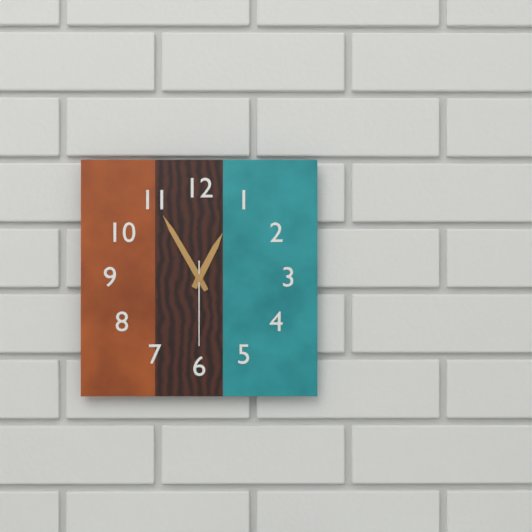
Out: h=12 m=55 s=30
